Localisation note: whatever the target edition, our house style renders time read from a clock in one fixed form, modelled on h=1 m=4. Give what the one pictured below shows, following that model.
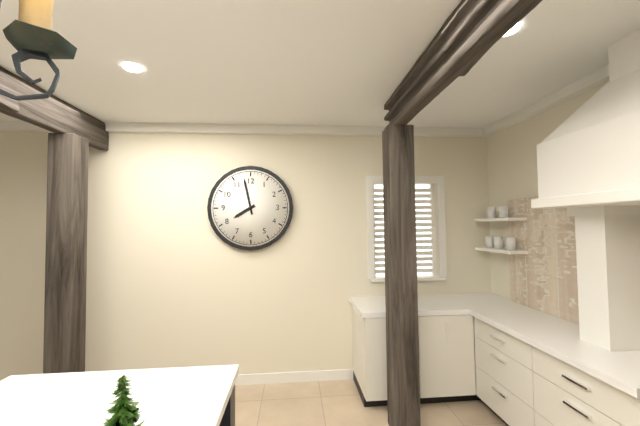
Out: h=7 m=58
